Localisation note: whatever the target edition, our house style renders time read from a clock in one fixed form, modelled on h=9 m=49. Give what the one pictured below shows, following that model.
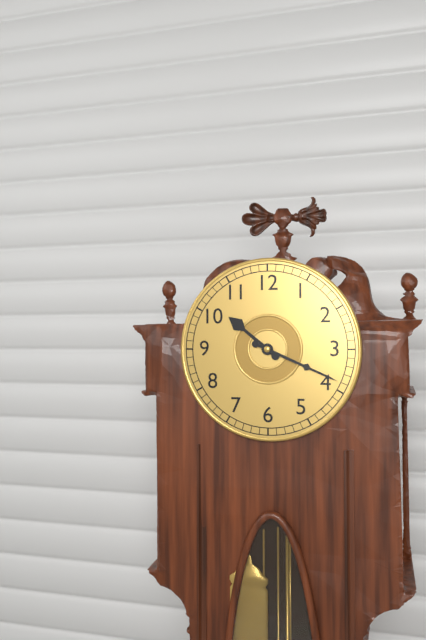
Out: h=10 m=19
